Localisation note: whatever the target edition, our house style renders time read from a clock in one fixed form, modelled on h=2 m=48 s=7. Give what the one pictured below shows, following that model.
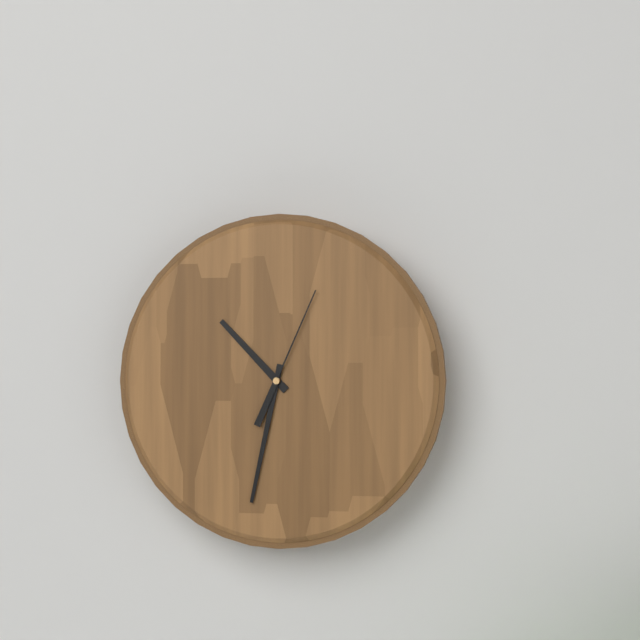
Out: h=10 m=32 s=4
